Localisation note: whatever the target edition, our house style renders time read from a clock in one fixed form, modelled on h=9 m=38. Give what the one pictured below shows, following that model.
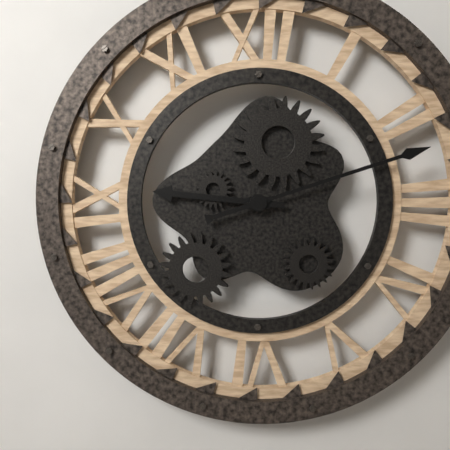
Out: h=9 m=12
